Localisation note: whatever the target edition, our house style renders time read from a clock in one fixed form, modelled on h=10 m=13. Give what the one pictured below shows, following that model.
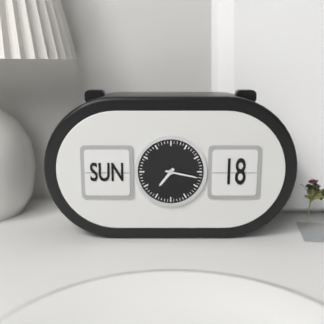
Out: h=7 m=17
